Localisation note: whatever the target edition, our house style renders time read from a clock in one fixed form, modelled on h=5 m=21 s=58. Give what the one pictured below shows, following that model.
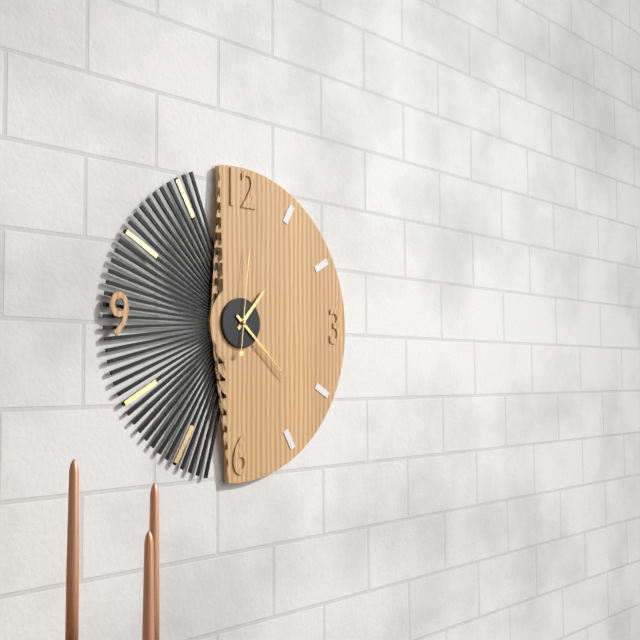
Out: h=1 m=22 s=1
